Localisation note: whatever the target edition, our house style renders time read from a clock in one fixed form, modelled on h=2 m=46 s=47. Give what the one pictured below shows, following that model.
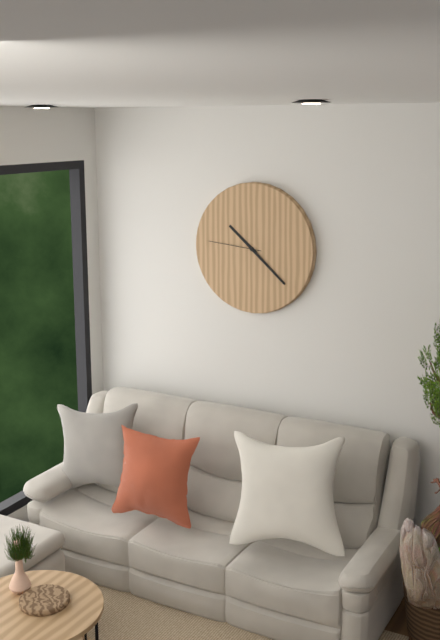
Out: h=10 m=22 s=46
